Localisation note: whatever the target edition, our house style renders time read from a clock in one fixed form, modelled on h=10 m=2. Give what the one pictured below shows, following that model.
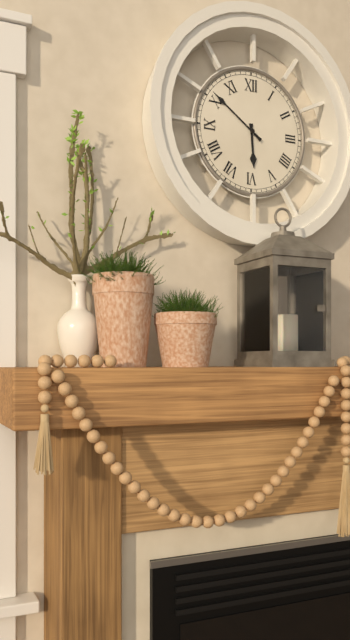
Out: h=5 m=51
